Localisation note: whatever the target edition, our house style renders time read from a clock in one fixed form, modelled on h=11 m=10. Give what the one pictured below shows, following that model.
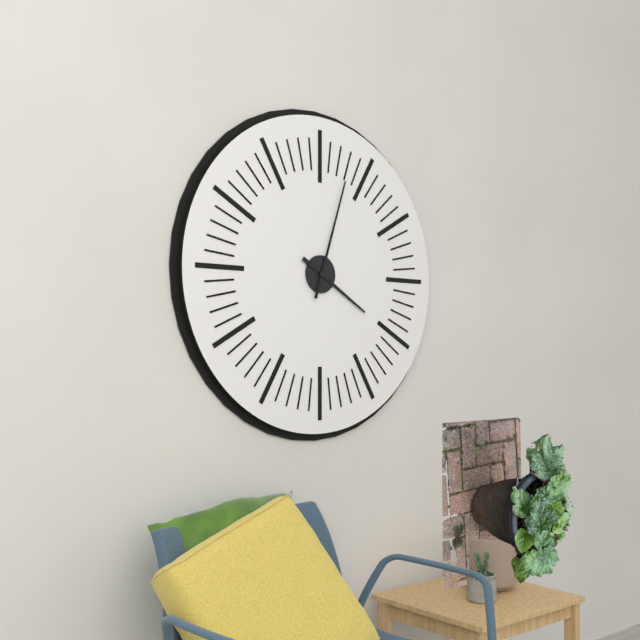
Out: h=4 m=3
